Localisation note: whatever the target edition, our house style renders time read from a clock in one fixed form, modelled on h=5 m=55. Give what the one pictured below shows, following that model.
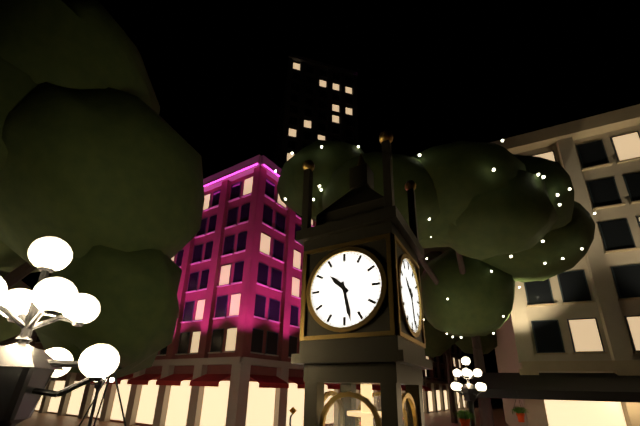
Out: h=10 m=28
